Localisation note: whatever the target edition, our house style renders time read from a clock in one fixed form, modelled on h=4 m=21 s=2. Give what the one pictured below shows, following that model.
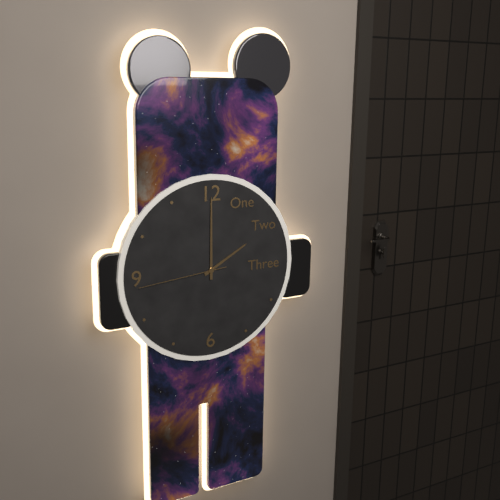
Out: h=2 m=0 s=44
